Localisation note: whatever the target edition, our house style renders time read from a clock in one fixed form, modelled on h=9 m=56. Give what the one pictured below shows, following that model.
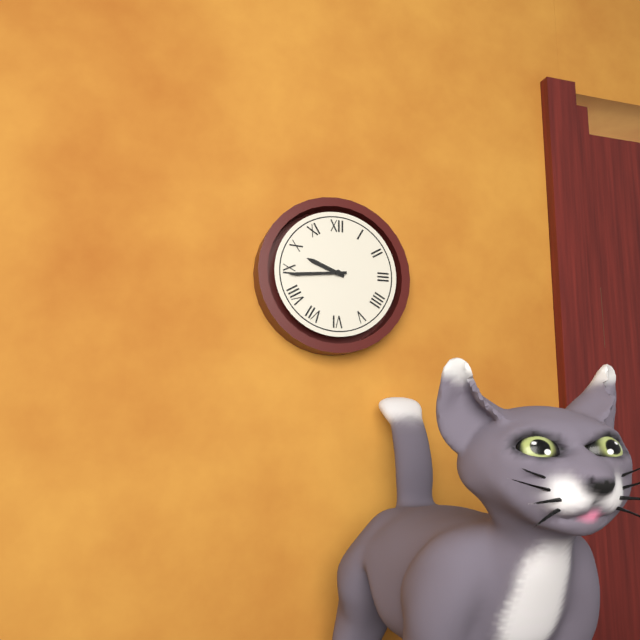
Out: h=9 m=44
